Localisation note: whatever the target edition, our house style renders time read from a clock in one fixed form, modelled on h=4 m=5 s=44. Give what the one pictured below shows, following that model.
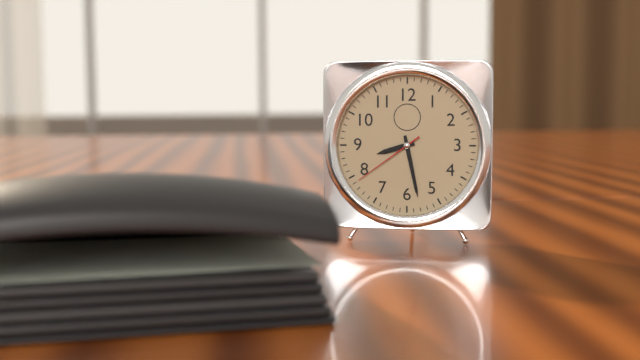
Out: h=8 m=28 s=39
